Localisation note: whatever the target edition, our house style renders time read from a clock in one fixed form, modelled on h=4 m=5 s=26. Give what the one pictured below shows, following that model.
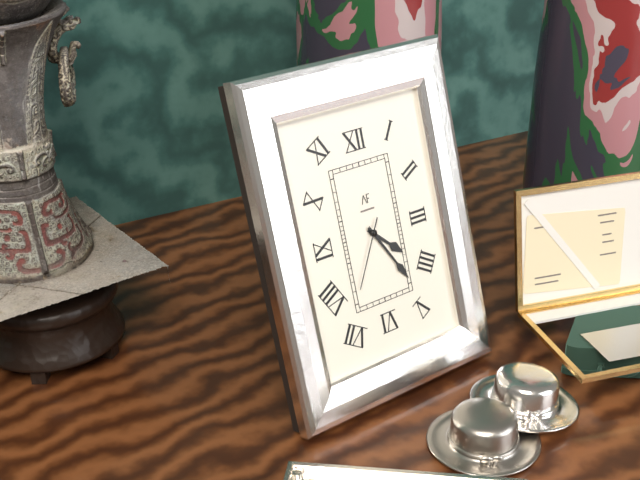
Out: h=4 m=25 s=35
